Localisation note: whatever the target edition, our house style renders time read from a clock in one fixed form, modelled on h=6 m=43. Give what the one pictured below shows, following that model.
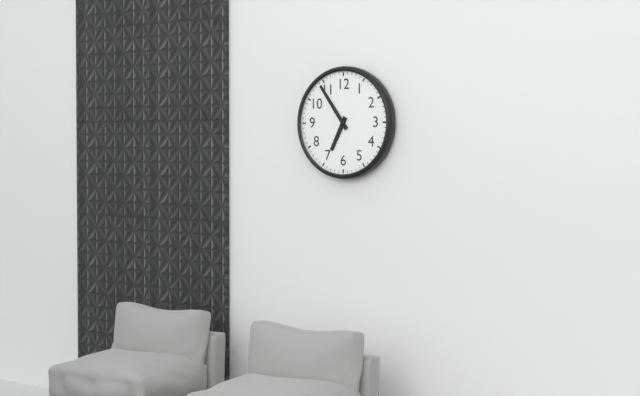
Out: h=6 m=54
